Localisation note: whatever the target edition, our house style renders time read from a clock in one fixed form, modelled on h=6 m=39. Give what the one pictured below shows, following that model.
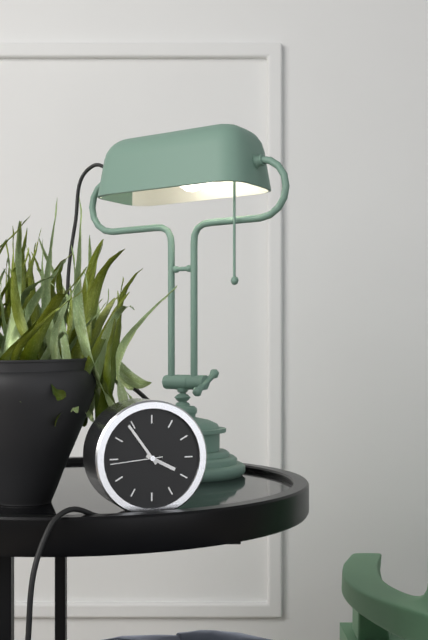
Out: h=3 m=54
